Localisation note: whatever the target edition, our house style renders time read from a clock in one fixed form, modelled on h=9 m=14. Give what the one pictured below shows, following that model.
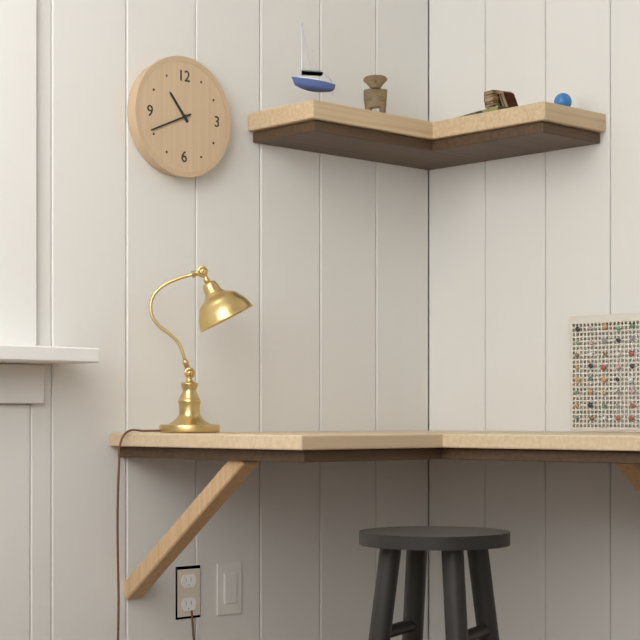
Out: h=10 m=41
